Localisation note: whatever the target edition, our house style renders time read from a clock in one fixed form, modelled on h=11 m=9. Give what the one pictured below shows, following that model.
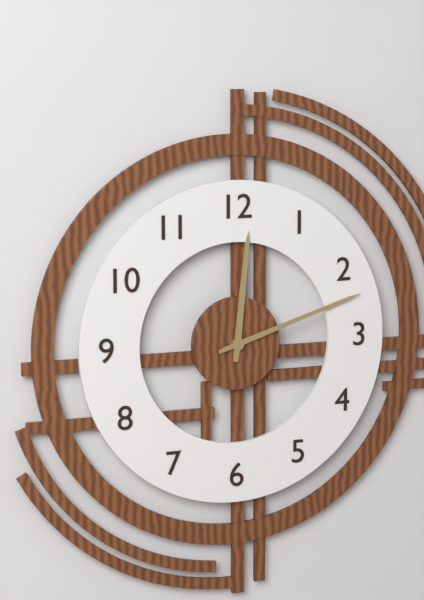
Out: h=12 m=12
